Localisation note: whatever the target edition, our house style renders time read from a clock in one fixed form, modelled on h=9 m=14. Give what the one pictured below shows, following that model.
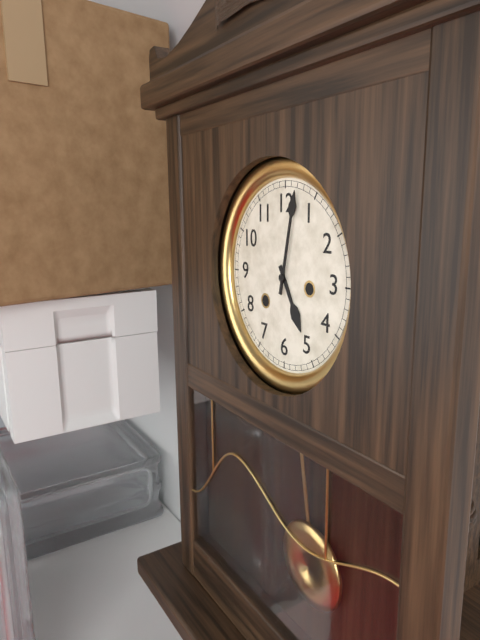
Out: h=5 m=2
